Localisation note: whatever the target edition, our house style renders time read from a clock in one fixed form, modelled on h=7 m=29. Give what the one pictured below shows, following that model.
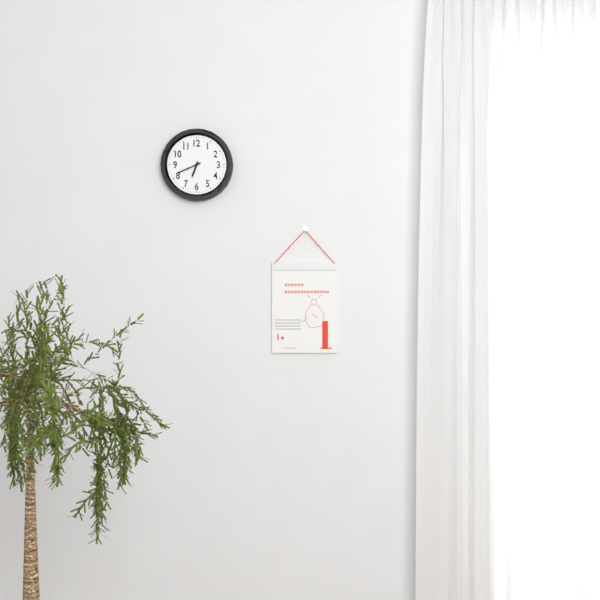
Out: h=6 m=41
